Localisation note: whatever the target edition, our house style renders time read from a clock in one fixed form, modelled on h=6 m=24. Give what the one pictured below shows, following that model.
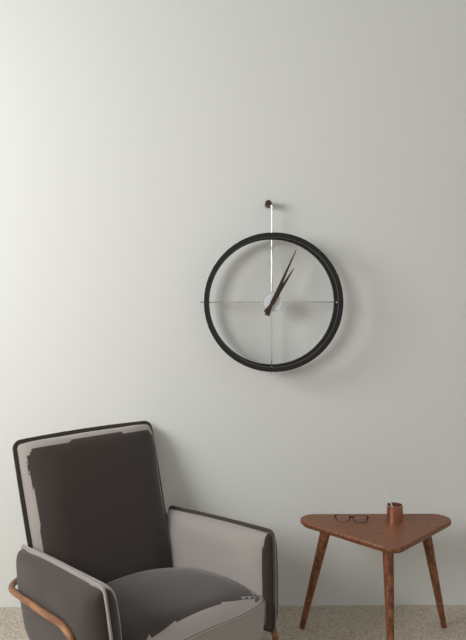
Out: h=1 m=4
